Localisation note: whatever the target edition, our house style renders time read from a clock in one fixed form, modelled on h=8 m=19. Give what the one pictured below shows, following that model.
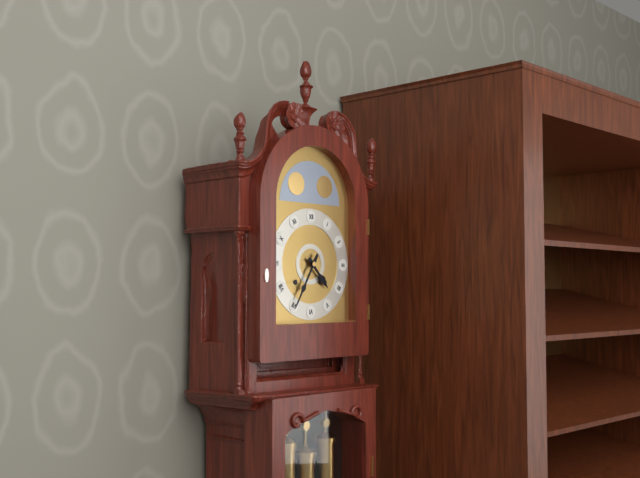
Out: h=4 m=35
